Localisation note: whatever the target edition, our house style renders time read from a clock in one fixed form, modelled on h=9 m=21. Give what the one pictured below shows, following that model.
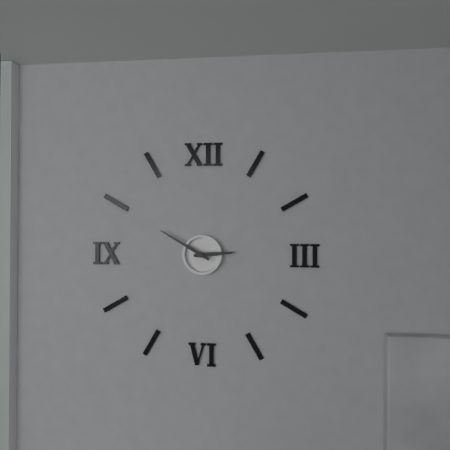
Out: h=2 m=50
